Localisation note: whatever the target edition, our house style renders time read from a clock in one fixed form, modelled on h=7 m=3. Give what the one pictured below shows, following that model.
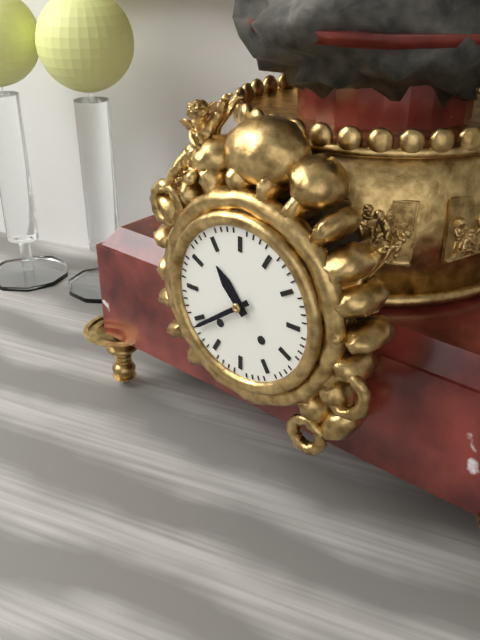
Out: h=10 m=39
